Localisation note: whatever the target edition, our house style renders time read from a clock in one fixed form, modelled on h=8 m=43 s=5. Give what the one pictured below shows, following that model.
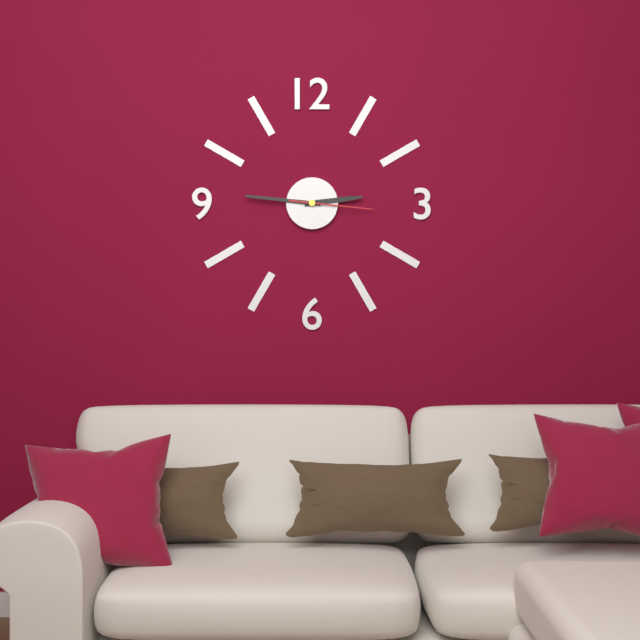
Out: h=2 m=46 s=16
